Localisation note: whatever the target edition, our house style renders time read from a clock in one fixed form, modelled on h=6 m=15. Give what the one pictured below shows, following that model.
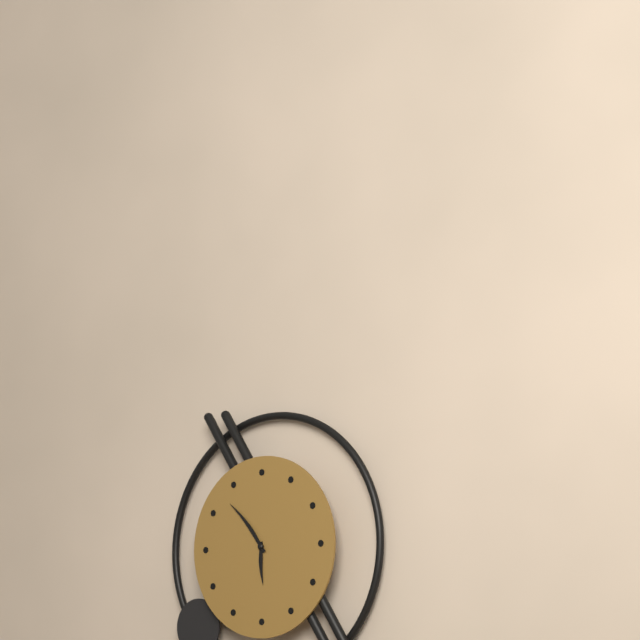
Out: h=5 m=53
